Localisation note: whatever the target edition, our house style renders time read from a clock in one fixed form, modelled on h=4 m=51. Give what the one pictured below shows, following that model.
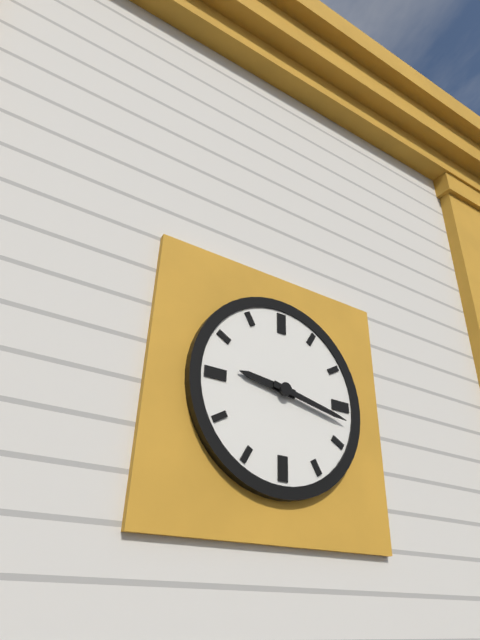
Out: h=9 m=17
